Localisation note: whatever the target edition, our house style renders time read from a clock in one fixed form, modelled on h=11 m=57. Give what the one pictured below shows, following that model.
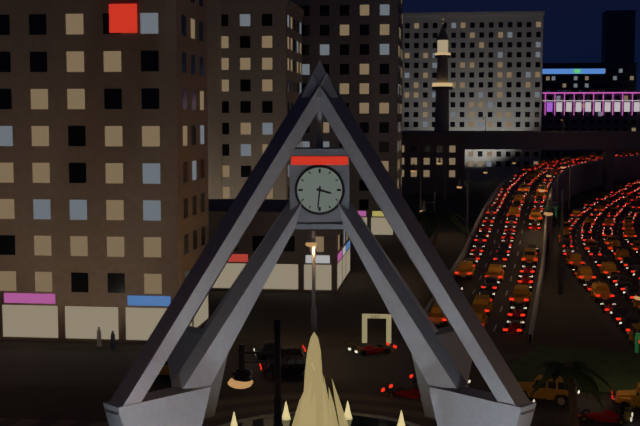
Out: h=3 m=31
